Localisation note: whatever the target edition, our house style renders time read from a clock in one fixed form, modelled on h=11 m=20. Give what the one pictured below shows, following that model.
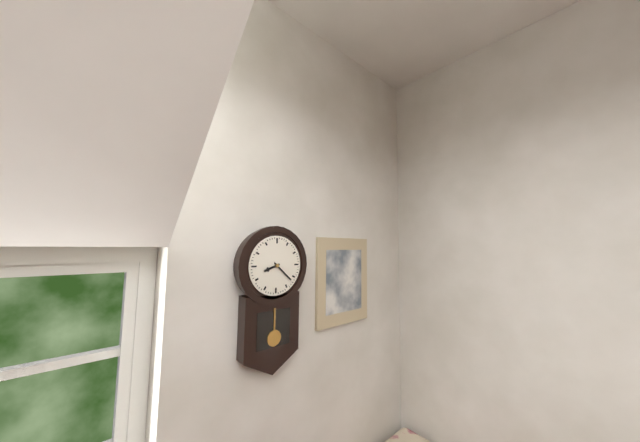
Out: h=8 m=22
